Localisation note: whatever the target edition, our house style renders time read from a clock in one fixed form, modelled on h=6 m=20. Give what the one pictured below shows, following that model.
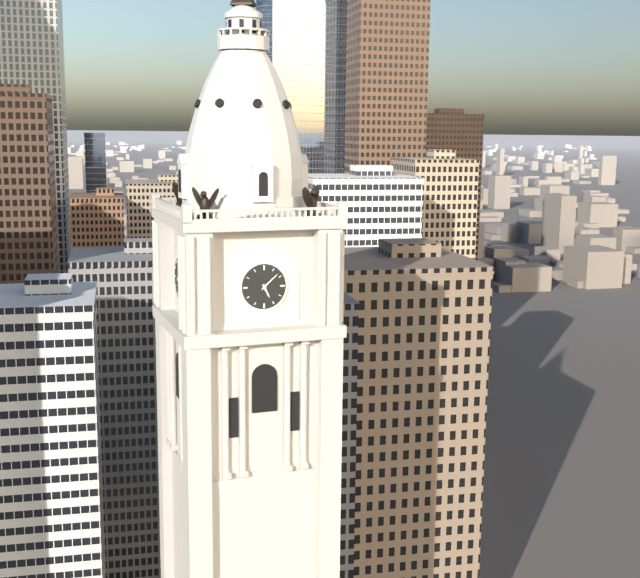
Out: h=5 m=8
